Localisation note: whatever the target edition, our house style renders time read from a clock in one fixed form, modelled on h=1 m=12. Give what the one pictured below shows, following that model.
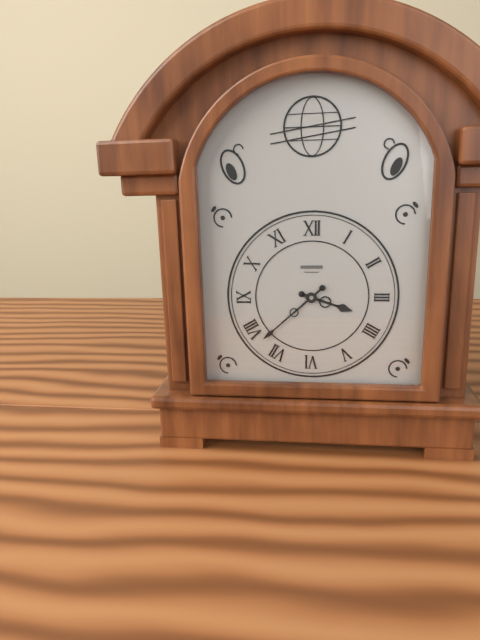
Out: h=3 m=38
